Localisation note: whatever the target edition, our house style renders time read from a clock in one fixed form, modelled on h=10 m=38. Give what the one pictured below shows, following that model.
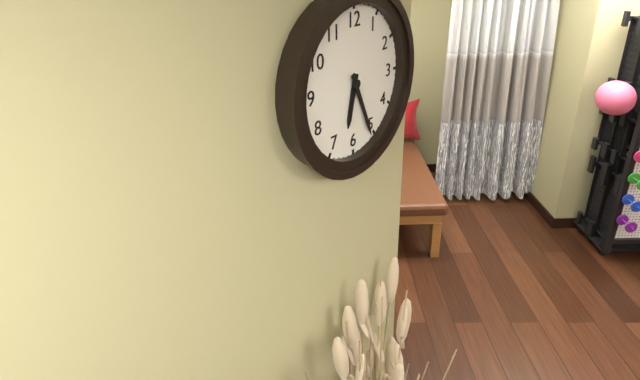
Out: h=6 m=26
